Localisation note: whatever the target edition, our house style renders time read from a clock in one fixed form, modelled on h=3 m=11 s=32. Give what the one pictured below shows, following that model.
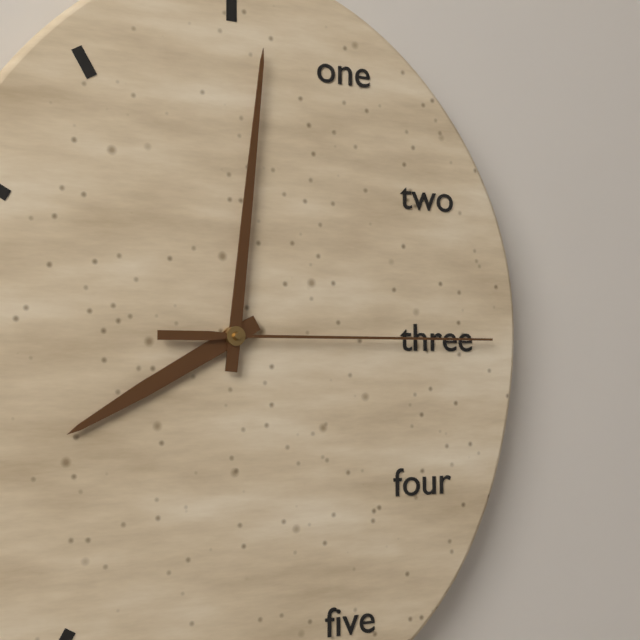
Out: h=8 m=1 s=15
